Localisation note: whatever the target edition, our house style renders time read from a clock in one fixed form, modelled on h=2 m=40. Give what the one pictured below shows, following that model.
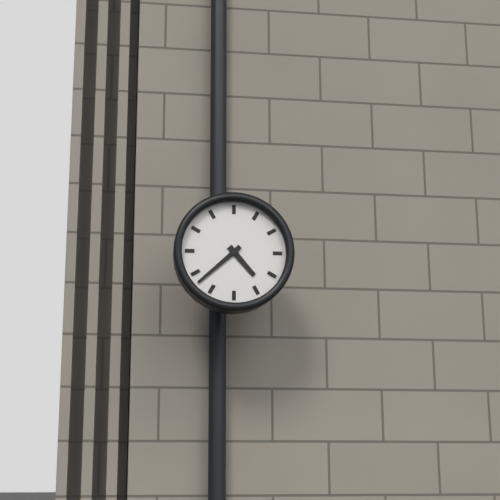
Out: h=4 m=38
